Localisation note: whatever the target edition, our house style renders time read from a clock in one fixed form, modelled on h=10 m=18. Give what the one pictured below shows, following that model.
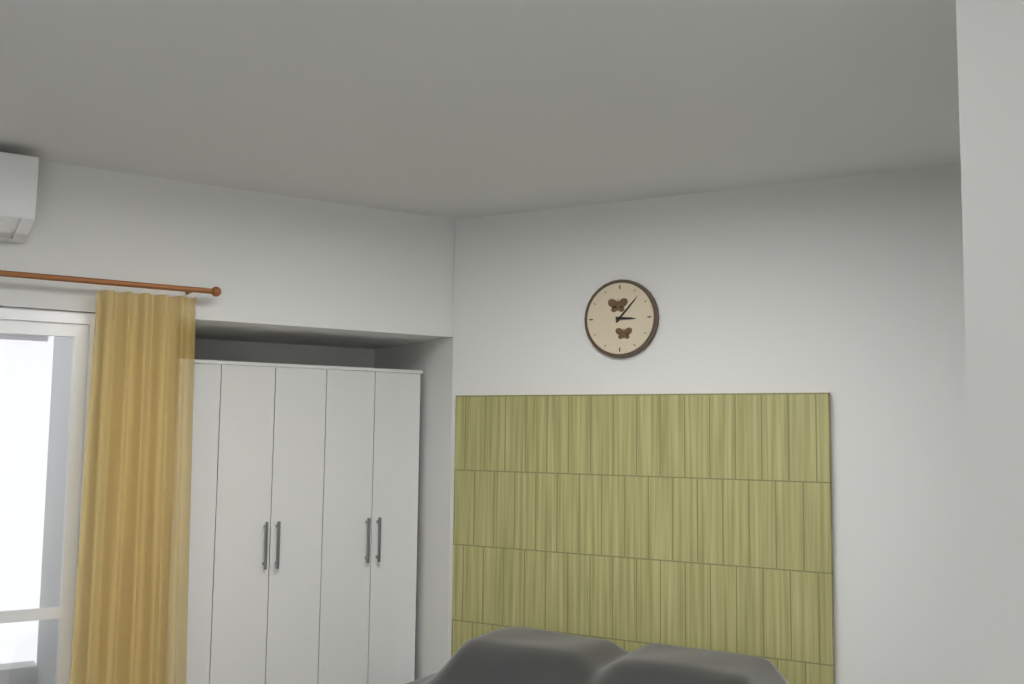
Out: h=3 m=7
